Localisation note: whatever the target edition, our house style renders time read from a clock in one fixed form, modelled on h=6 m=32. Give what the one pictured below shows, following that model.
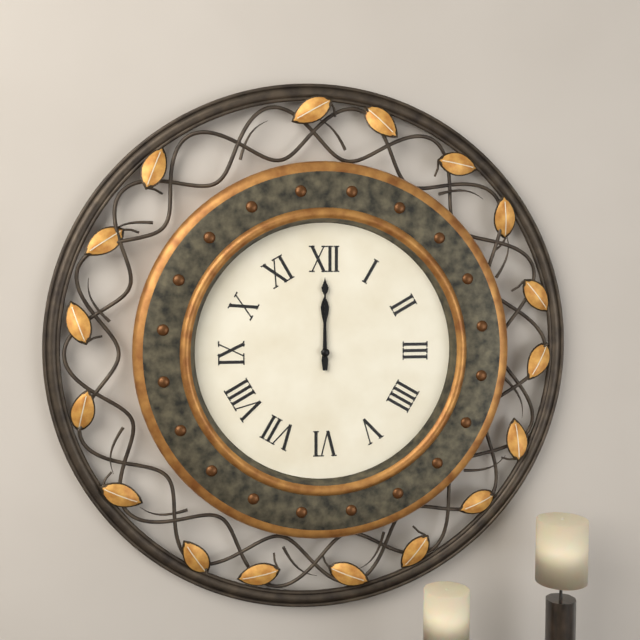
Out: h=12 m=0
